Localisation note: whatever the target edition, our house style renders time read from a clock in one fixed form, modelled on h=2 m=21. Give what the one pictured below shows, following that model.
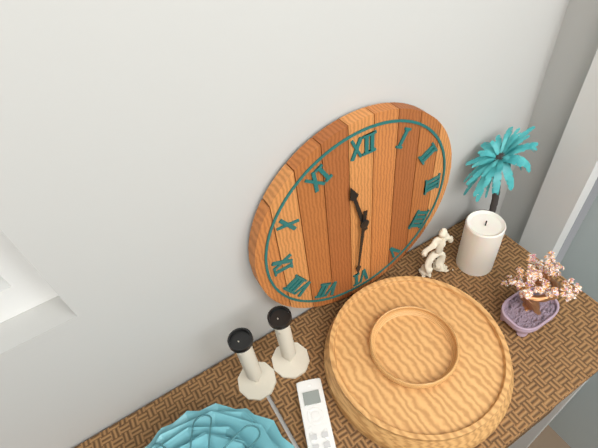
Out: h=11 m=31
